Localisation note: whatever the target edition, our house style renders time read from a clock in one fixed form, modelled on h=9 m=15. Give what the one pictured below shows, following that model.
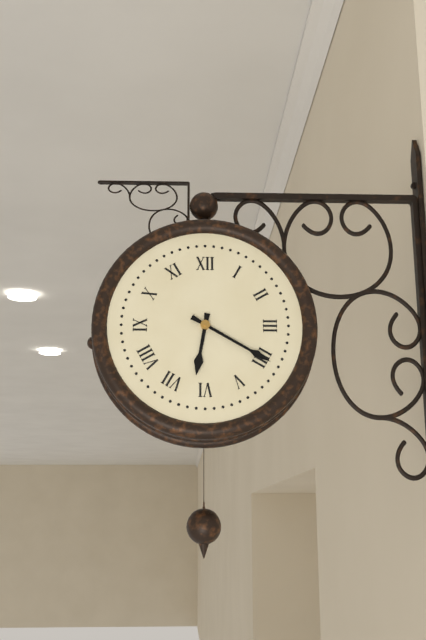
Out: h=6 m=20
